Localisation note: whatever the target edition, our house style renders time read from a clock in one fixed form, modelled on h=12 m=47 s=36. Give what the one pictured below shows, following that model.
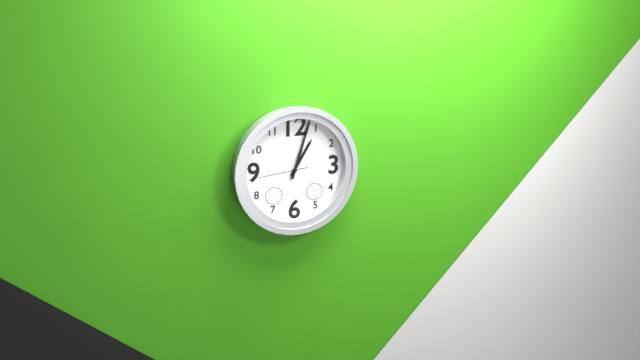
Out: h=1 m=3 s=44
